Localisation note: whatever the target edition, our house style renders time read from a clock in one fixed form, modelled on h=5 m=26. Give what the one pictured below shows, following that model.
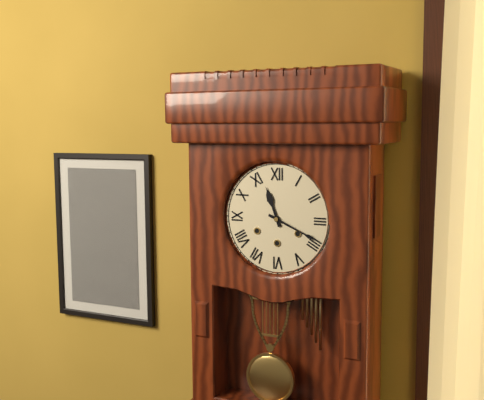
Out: h=11 m=19
